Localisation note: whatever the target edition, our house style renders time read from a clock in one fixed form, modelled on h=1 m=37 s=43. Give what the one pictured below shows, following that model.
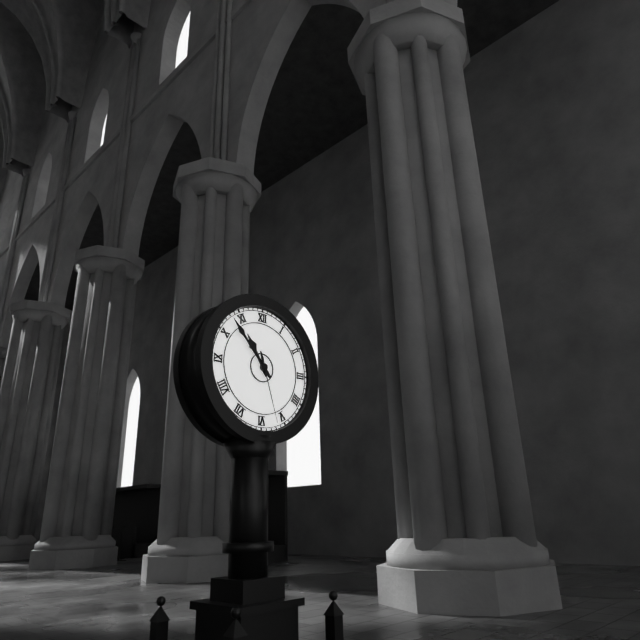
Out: h=10 m=53 s=27
